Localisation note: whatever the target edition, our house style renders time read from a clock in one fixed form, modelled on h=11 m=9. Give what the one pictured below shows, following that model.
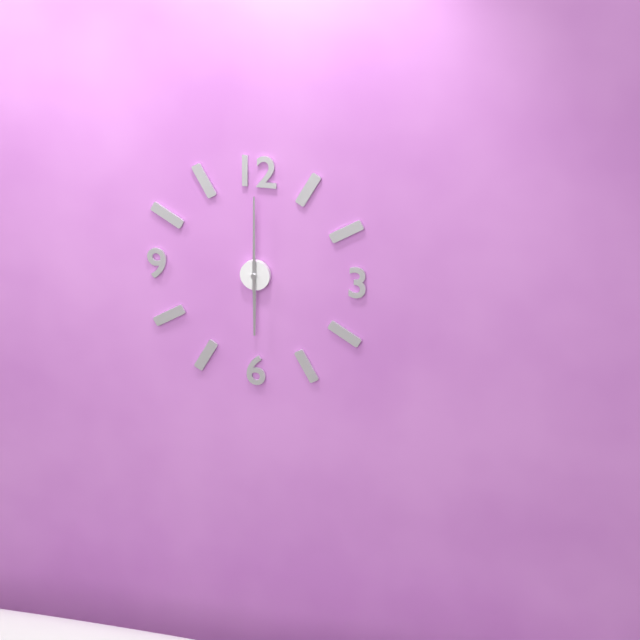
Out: h=6 m=0
